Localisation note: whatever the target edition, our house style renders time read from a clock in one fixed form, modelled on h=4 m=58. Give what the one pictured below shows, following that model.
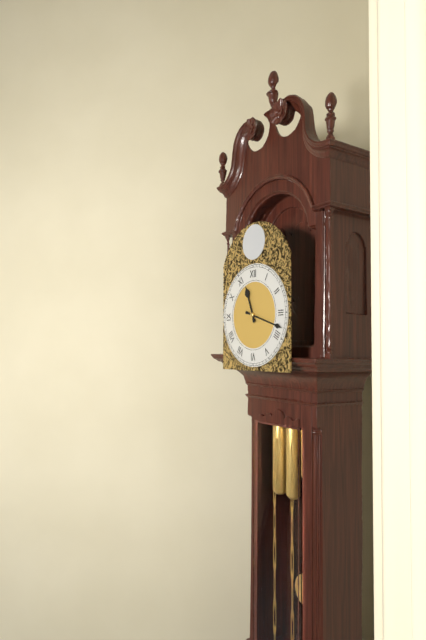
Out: h=11 m=18
